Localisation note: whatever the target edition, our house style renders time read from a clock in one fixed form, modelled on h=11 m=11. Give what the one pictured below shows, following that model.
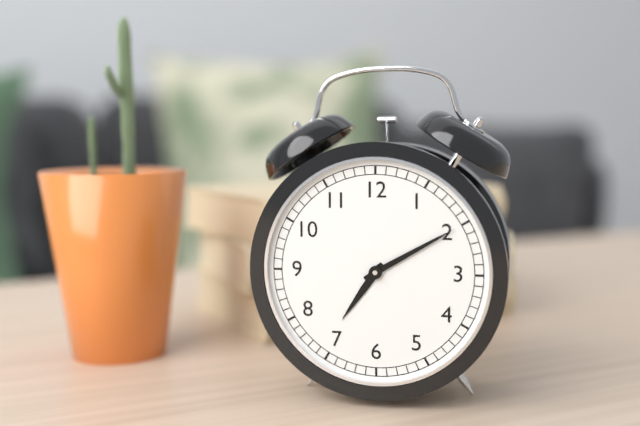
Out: h=7 m=10
